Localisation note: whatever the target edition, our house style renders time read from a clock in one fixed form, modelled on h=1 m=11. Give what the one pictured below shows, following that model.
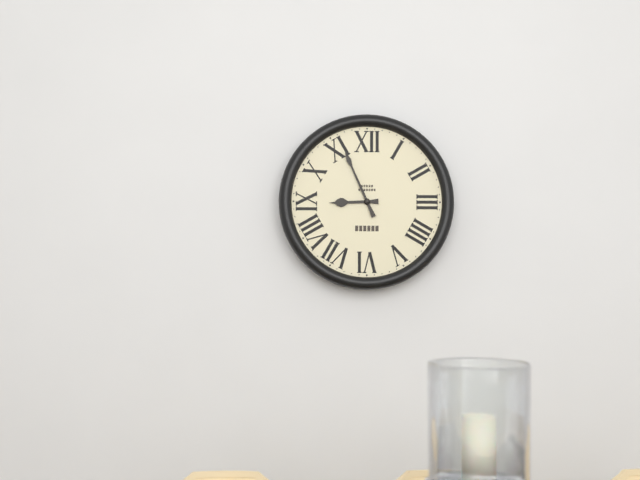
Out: h=8 m=56
